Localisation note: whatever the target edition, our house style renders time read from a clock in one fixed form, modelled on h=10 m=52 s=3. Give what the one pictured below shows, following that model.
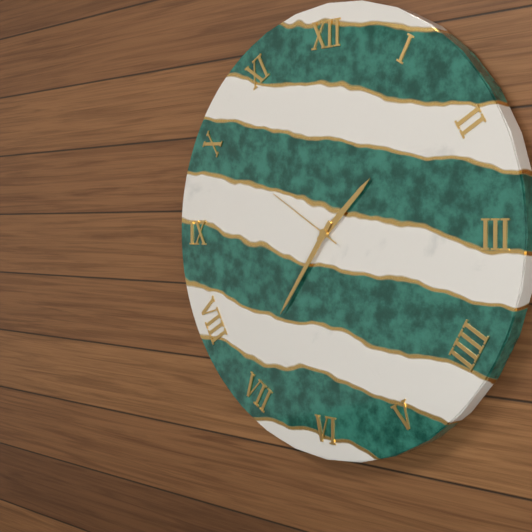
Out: h=1 m=36 s=50
